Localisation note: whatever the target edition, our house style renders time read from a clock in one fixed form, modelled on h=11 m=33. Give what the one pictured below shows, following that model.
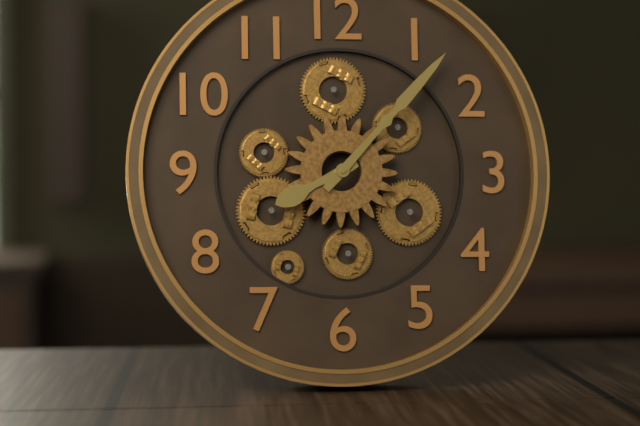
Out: h=8 m=7
